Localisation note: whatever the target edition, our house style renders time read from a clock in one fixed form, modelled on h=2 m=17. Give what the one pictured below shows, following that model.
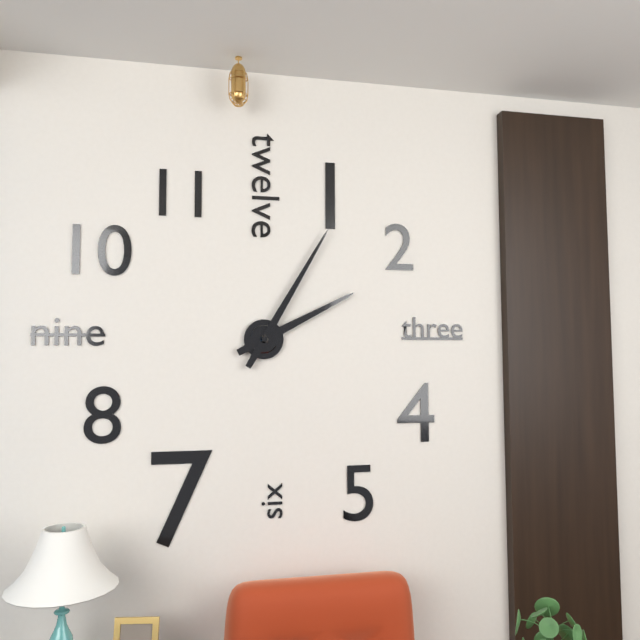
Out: h=2 m=5
